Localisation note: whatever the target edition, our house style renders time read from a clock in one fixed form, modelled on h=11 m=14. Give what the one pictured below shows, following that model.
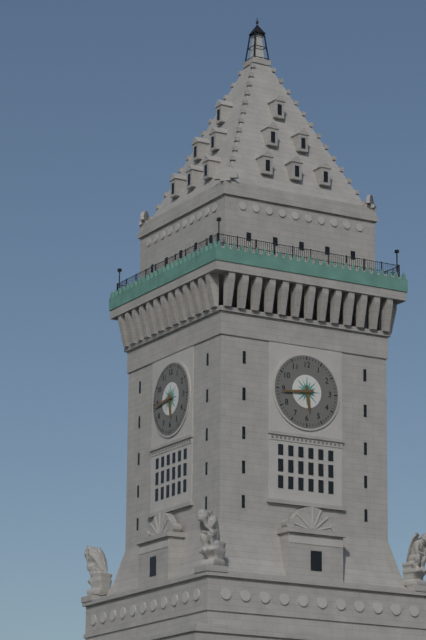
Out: h=5 m=44
